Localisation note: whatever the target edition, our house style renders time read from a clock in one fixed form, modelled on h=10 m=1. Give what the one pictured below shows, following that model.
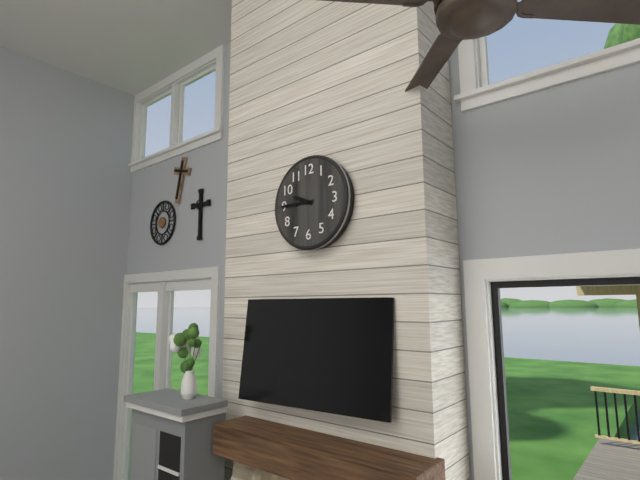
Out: h=9 m=45
